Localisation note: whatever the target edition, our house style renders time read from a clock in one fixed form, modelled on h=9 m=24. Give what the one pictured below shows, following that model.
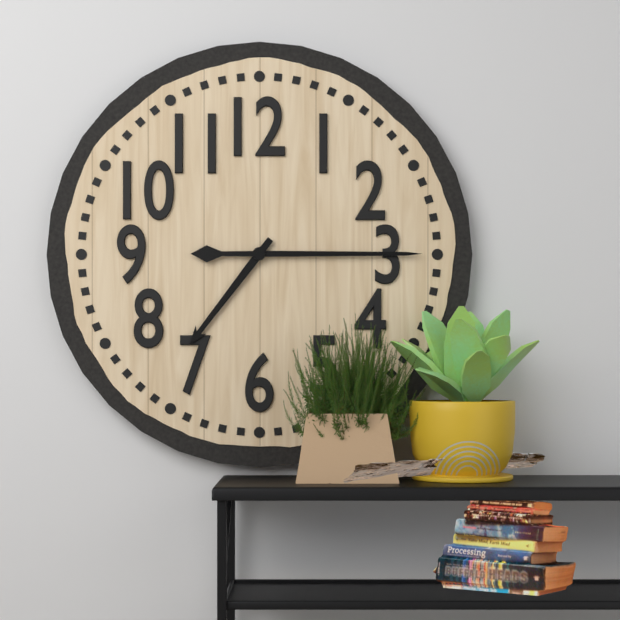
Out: h=7 m=15
